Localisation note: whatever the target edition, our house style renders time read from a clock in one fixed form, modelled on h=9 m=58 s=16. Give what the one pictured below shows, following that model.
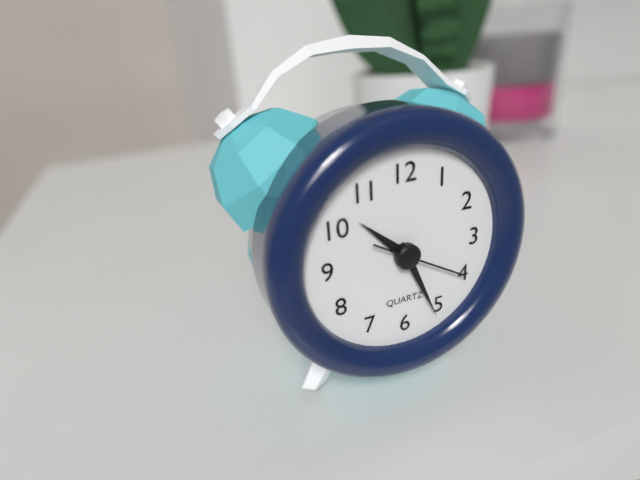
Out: h=10 m=26 s=20
